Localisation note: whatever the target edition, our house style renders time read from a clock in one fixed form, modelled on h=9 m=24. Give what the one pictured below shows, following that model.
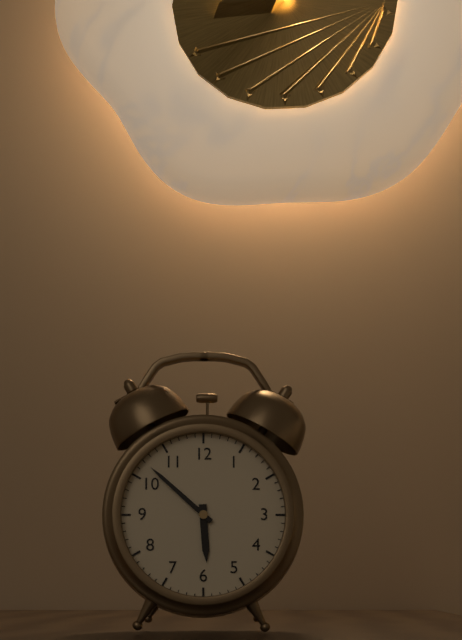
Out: h=5 m=52
